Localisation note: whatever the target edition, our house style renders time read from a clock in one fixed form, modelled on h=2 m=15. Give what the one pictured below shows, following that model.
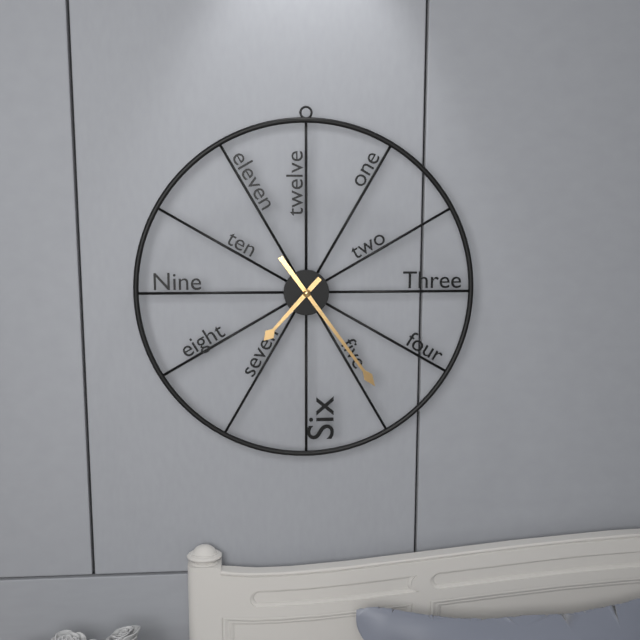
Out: h=7 m=24
